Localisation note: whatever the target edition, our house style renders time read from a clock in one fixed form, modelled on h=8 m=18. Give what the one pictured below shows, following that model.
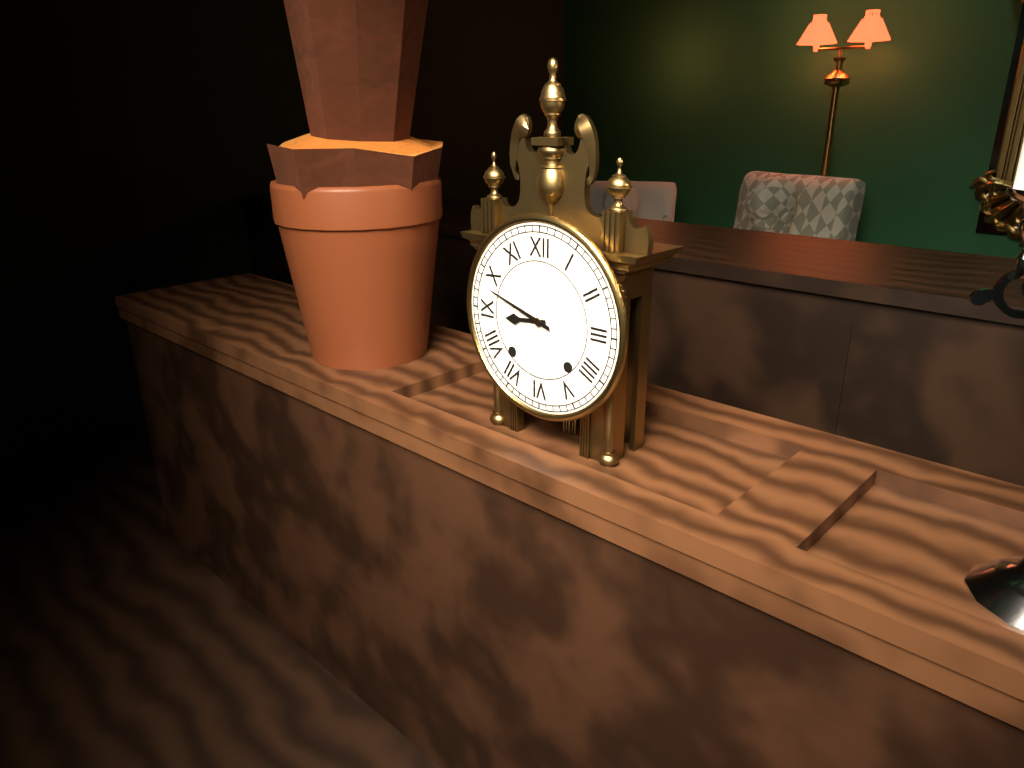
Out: h=8 m=48
